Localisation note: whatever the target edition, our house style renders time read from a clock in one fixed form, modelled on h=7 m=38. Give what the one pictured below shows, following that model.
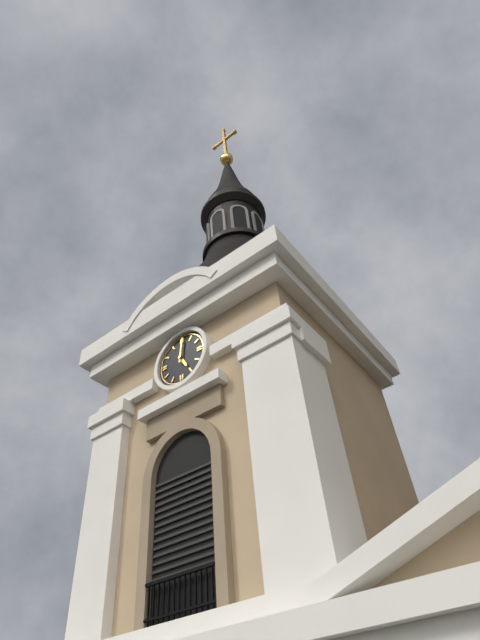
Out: h=5 m=1
